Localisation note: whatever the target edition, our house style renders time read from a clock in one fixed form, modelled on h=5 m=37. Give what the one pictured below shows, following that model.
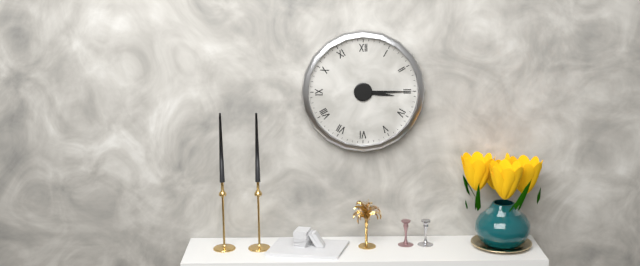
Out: h=3 m=15
